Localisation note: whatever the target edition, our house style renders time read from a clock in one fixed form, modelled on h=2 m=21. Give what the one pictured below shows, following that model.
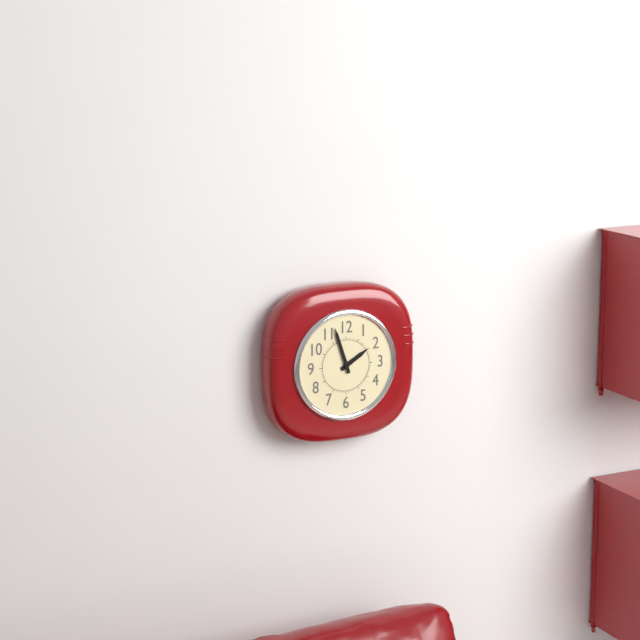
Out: h=1 m=57
